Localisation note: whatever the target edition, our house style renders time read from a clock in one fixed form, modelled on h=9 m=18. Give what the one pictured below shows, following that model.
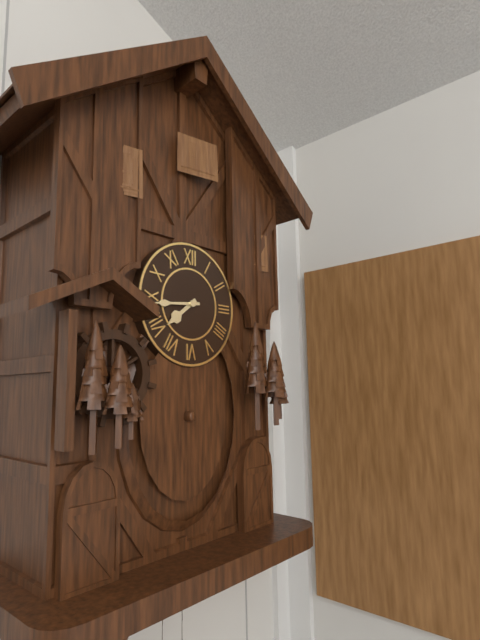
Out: h=7 m=44
